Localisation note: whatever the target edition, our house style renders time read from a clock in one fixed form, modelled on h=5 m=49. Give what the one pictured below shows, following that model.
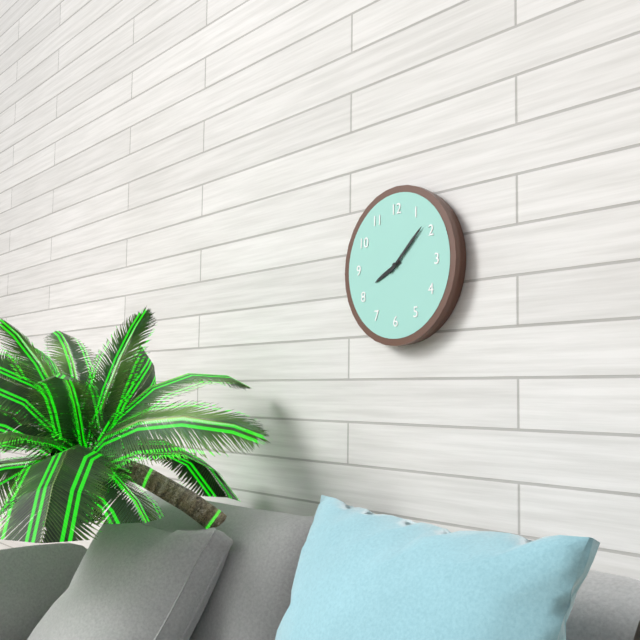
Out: h=8 m=8
